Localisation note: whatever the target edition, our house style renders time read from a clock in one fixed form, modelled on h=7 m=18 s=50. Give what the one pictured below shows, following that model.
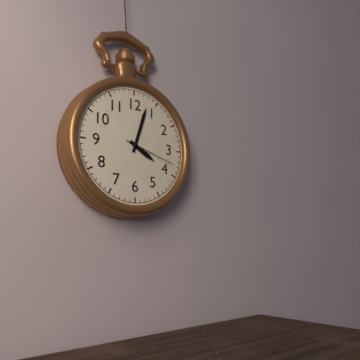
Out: h=4 m=3 s=18
